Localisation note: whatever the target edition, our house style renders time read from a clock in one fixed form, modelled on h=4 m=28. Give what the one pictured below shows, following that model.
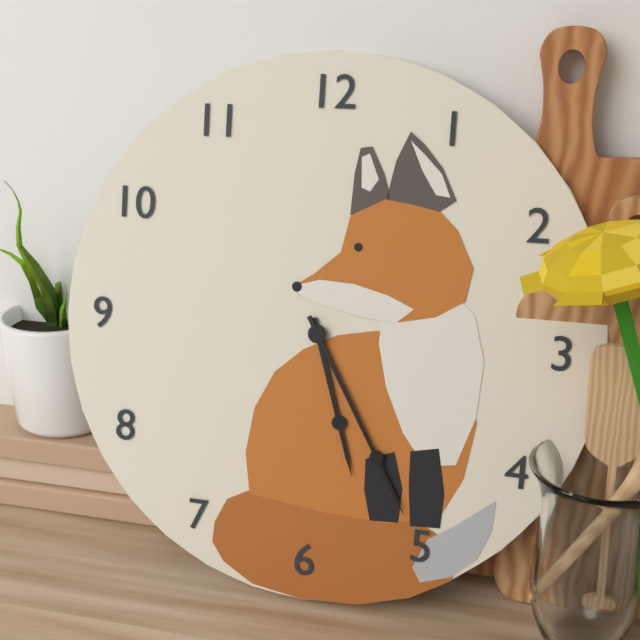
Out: h=5 m=25
